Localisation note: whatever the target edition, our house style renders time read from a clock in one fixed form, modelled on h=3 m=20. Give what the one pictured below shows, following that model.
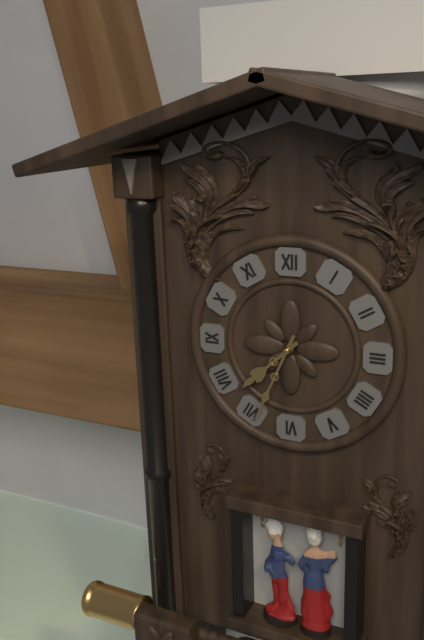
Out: h=7 m=34
